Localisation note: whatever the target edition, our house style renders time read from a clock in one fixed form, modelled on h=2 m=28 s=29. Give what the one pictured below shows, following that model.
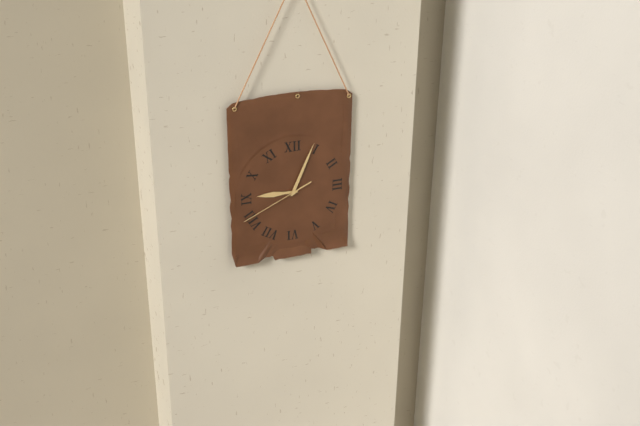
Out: h=9 m=4 s=41
